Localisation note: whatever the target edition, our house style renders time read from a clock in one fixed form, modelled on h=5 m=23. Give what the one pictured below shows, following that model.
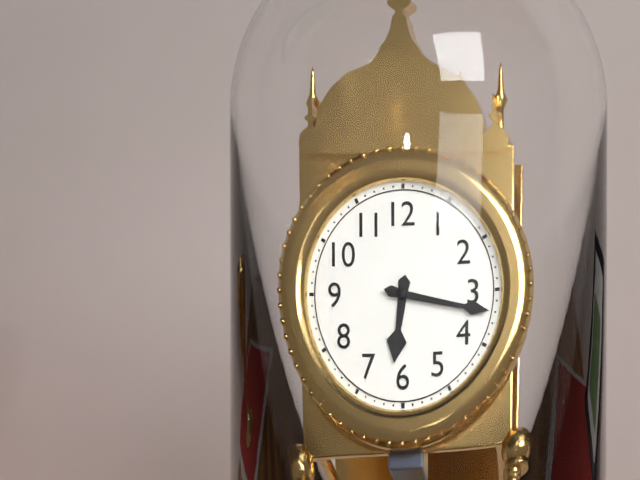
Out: h=6 m=17
